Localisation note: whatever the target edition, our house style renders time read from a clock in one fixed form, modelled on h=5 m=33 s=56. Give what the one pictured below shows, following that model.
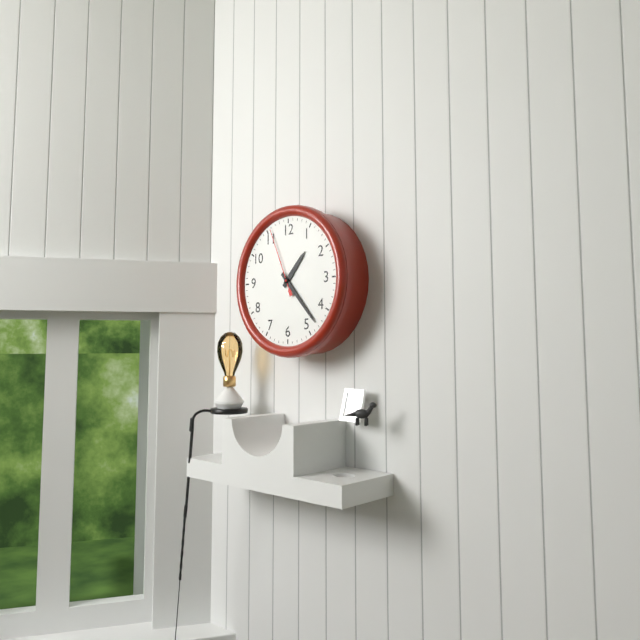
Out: h=1 m=23 s=56
